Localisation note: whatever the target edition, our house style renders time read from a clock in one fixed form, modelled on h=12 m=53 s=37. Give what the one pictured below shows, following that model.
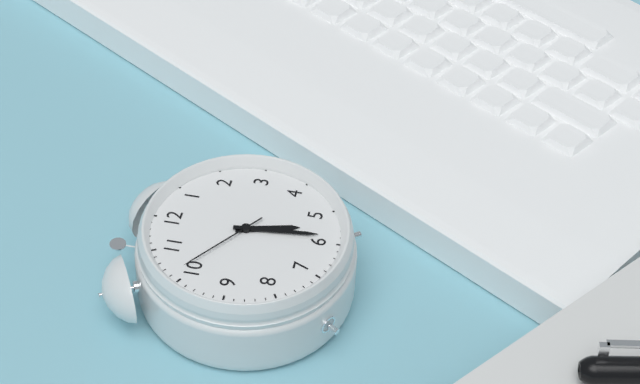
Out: h=5 m=29 s=51
